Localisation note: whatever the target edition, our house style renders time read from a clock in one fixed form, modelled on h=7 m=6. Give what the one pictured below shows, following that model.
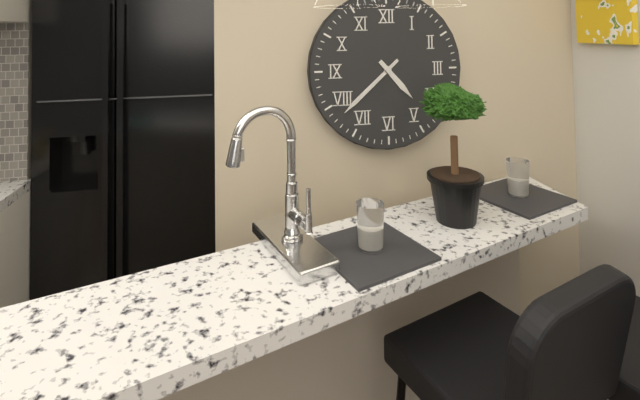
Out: h=4 m=38
